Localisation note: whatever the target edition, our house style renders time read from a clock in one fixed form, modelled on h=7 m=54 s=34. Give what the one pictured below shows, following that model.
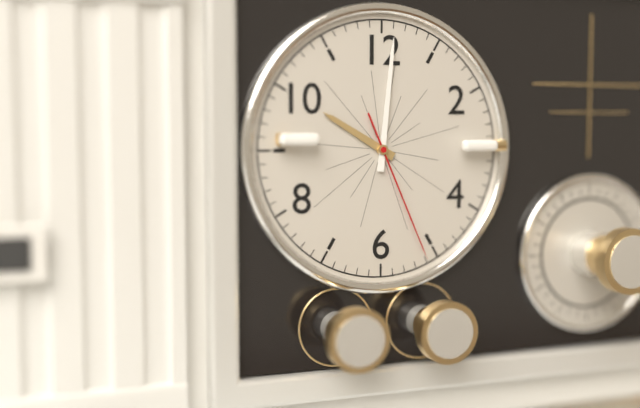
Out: h=10 m=1 s=26
